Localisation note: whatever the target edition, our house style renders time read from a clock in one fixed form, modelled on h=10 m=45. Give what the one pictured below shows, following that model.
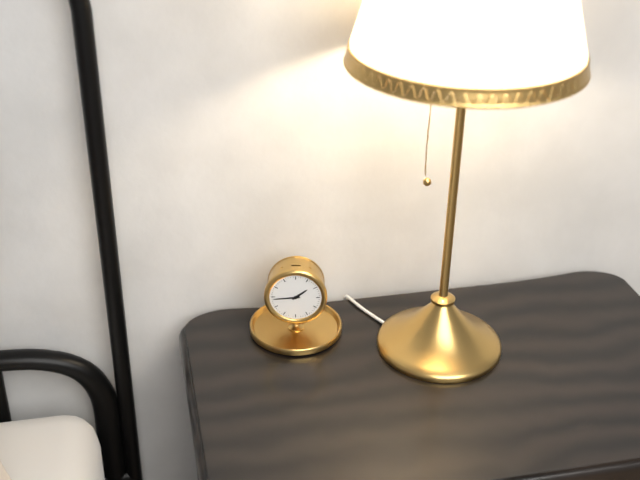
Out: h=1 m=44
